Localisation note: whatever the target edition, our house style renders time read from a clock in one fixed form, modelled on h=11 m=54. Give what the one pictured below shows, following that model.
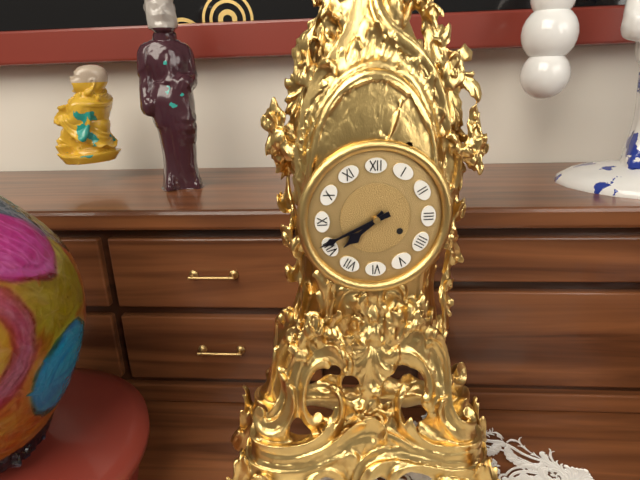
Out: h=7 m=41
